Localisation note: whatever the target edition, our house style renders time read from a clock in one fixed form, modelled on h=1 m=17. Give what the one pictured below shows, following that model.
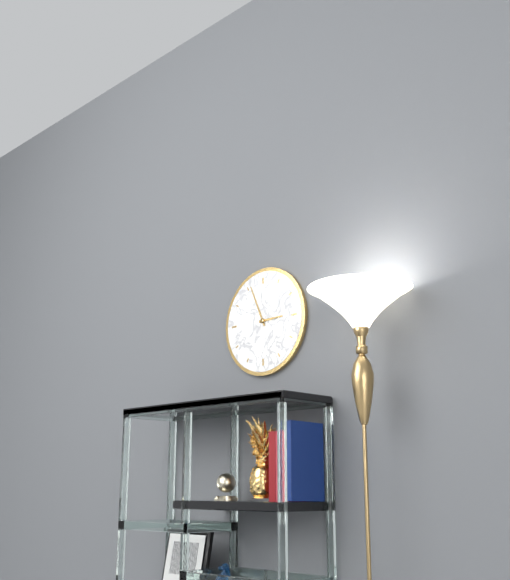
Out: h=2 m=56
